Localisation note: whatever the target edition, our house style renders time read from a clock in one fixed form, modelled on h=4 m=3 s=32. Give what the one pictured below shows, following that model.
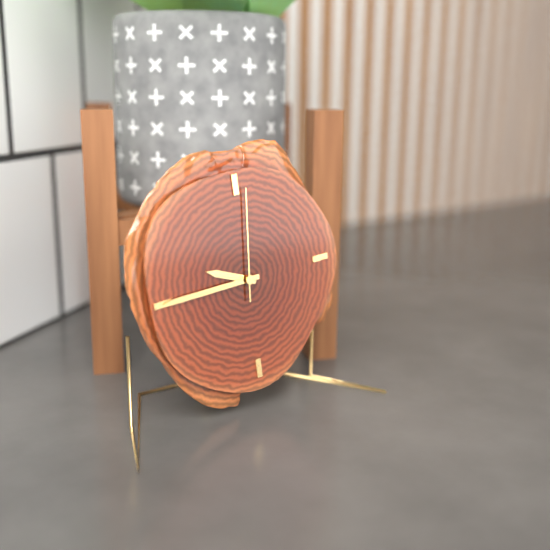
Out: h=9 m=45 s=1
